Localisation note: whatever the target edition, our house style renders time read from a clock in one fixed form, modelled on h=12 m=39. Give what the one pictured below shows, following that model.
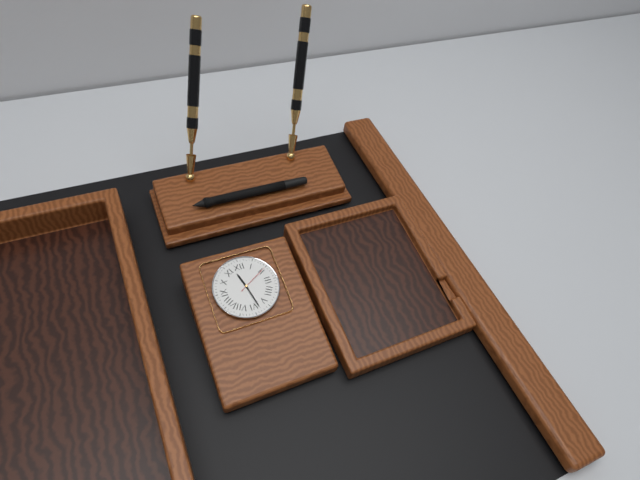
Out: h=11 m=28
